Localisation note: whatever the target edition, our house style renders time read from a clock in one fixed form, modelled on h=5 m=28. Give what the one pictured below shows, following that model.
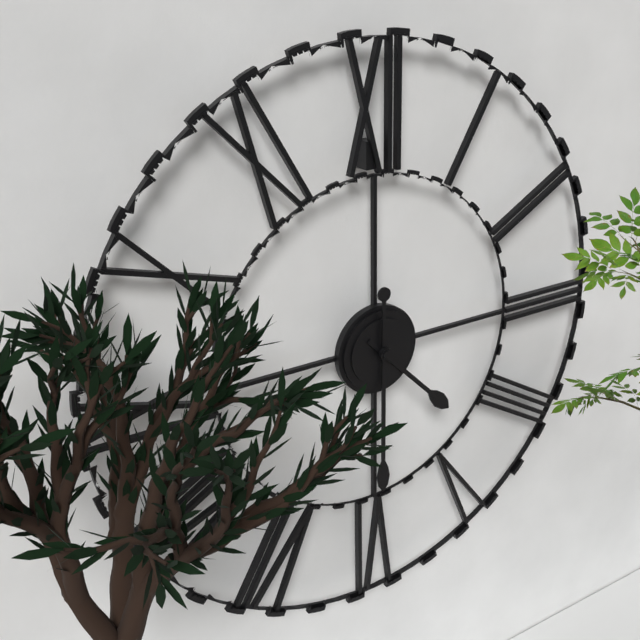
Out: h=4 m=30
